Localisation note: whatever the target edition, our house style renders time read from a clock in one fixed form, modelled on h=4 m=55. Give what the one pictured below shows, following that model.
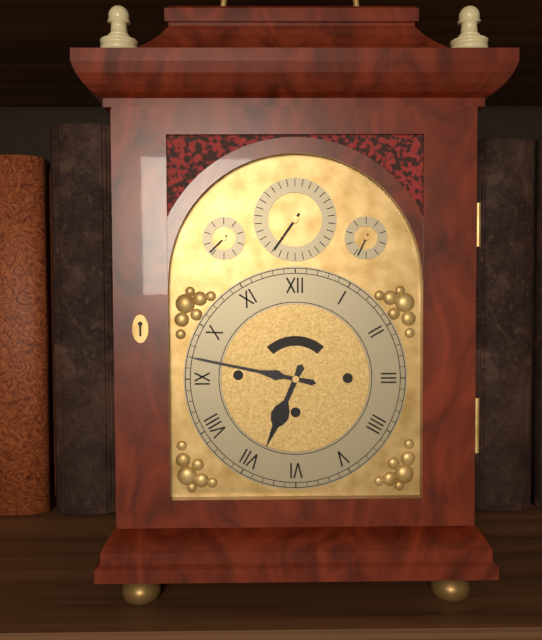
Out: h=6 m=47
